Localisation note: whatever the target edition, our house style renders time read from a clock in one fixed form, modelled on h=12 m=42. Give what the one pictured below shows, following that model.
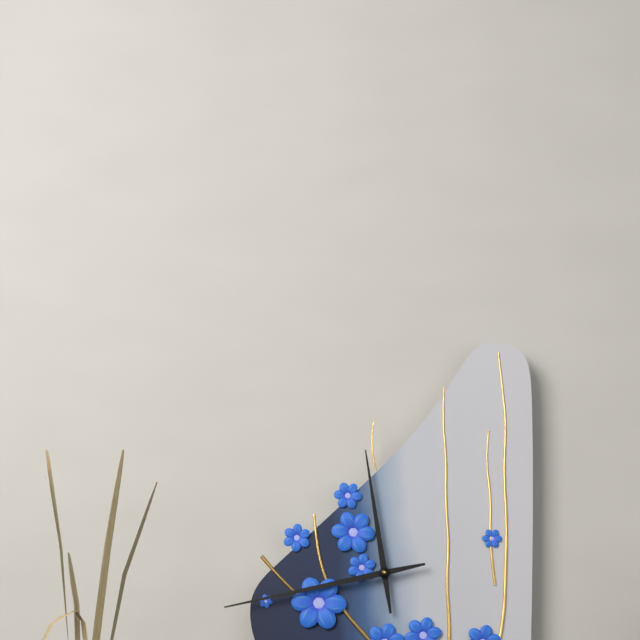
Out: h=11 m=43
